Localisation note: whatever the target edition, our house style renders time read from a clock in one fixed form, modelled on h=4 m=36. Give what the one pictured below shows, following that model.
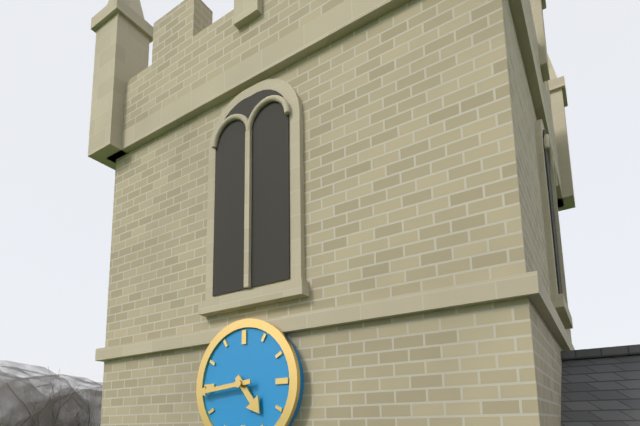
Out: h=4 m=44
